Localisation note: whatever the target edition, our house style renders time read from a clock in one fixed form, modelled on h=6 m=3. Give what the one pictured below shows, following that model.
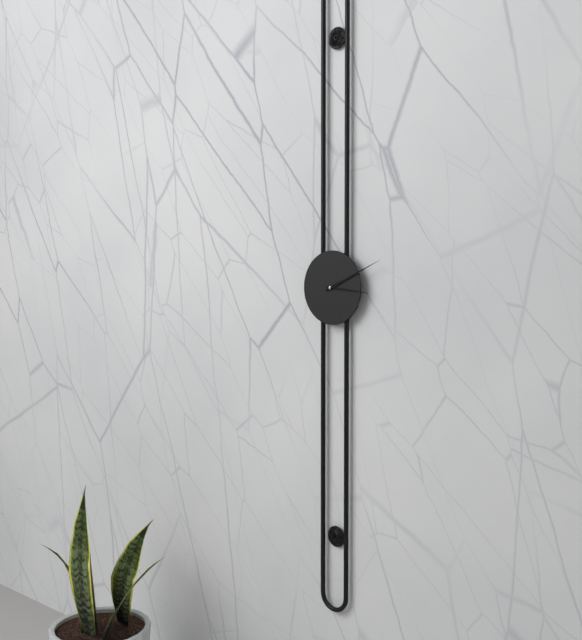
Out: h=3 m=11
